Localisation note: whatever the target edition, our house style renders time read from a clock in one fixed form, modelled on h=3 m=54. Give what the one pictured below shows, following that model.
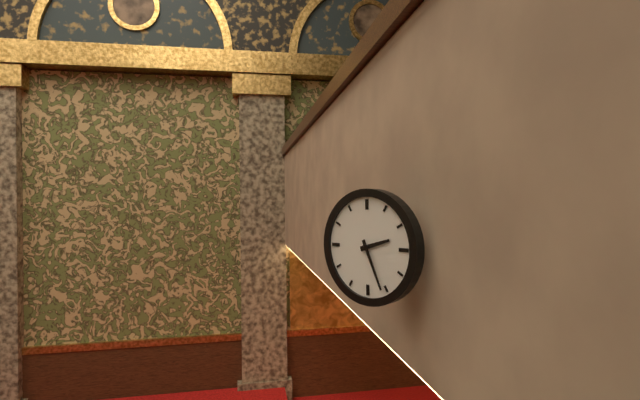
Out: h=2 m=26
